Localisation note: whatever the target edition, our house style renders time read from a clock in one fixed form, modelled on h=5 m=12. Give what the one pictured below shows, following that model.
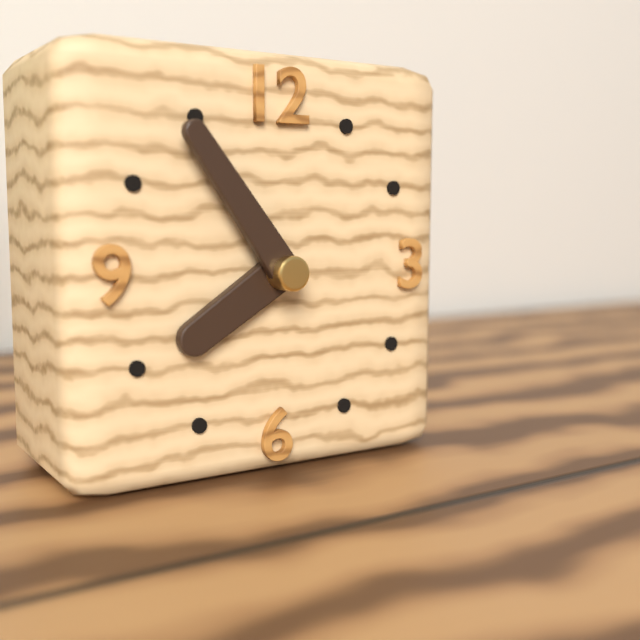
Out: h=7 m=54
